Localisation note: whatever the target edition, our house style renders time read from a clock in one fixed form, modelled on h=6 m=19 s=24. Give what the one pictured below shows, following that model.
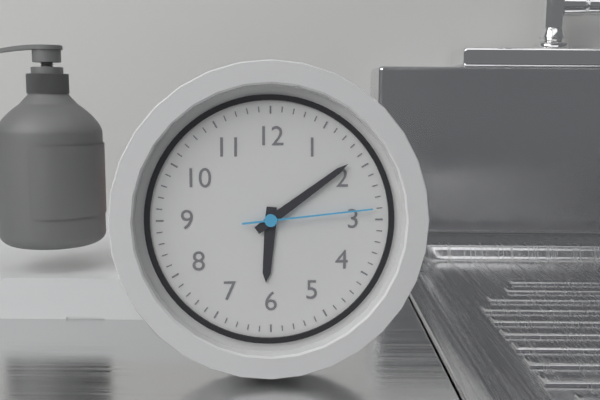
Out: h=6 m=9 s=14
